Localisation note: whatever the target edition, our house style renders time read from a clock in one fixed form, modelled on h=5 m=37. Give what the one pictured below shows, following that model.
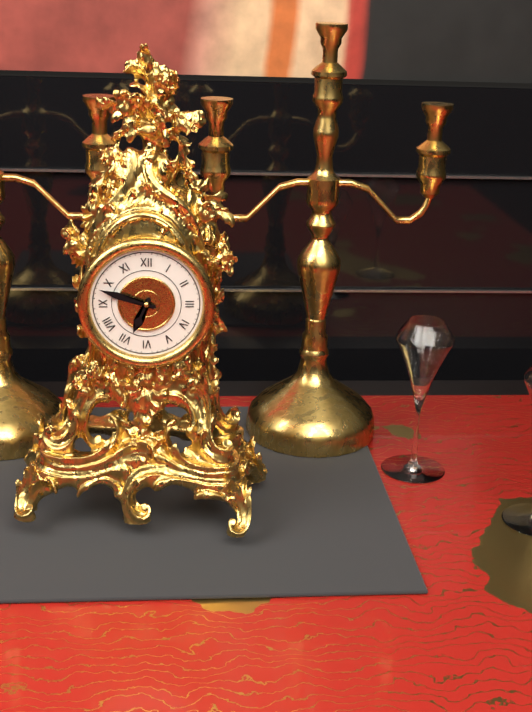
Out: h=6 m=48
